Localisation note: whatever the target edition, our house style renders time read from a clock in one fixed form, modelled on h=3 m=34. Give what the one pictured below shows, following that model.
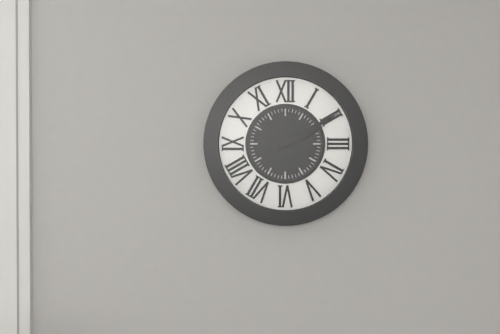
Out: h=2 m=10
